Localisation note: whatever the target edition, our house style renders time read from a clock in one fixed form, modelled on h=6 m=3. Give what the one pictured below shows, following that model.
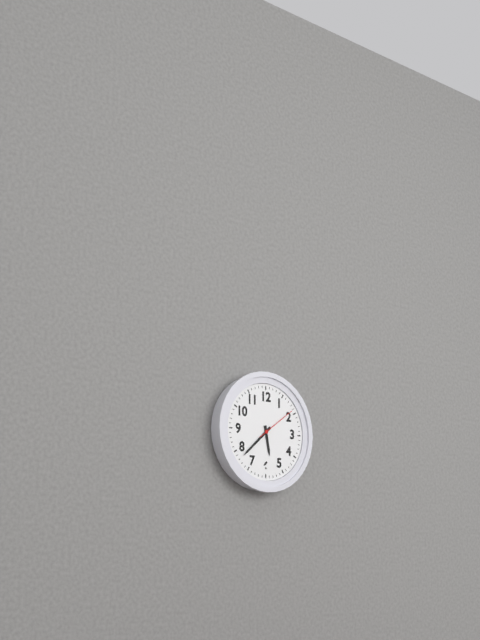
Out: h=5 m=38
